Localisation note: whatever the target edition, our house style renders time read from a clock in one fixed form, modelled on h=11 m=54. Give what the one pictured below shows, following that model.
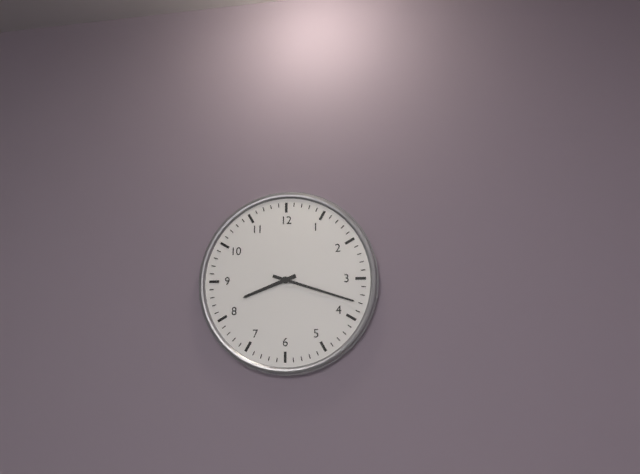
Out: h=8 m=18
